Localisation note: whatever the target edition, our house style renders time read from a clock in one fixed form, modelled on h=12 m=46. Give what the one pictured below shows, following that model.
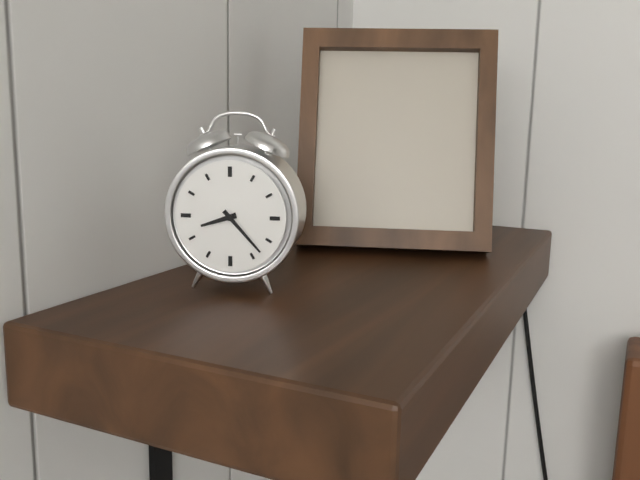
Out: h=8 m=23
